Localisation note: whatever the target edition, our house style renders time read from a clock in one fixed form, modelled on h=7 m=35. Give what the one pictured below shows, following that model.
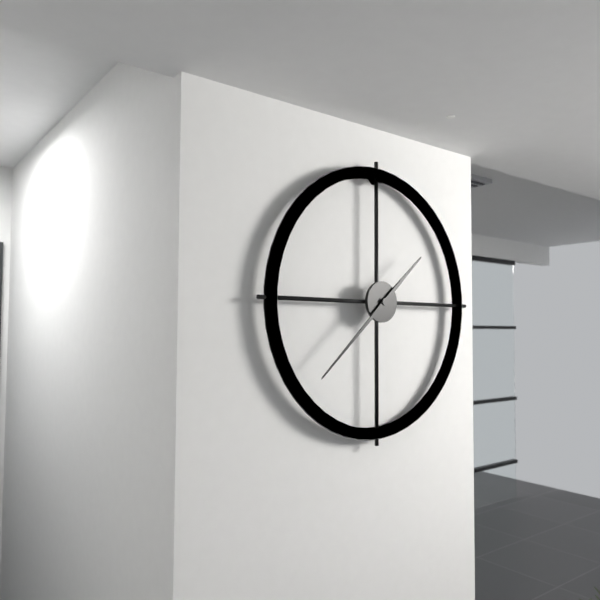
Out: h=1 m=38
